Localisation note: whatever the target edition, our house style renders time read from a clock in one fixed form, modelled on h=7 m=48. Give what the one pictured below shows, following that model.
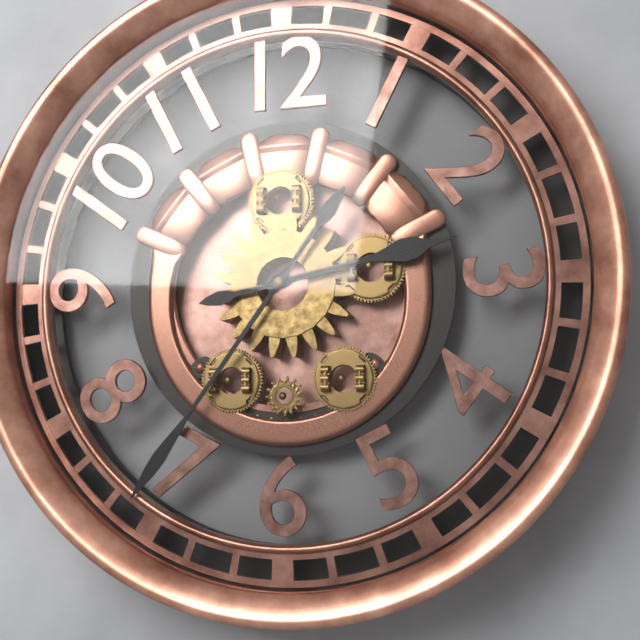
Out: h=2 m=36
